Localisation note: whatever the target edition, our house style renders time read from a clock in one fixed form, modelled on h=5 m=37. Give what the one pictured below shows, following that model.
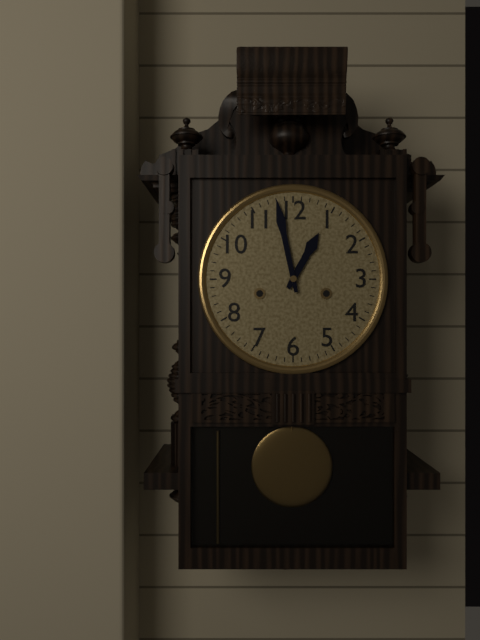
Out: h=12 m=58
